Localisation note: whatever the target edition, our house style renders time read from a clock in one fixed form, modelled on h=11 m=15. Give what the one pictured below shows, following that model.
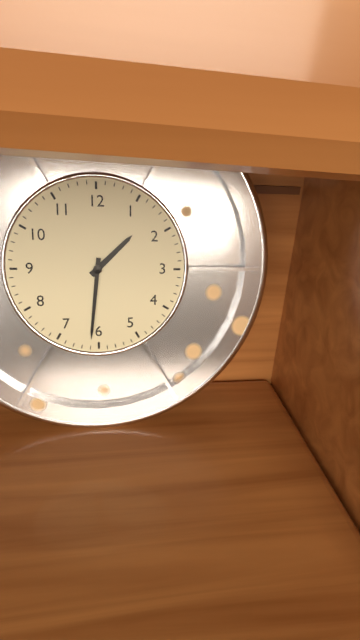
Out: h=1 m=31
